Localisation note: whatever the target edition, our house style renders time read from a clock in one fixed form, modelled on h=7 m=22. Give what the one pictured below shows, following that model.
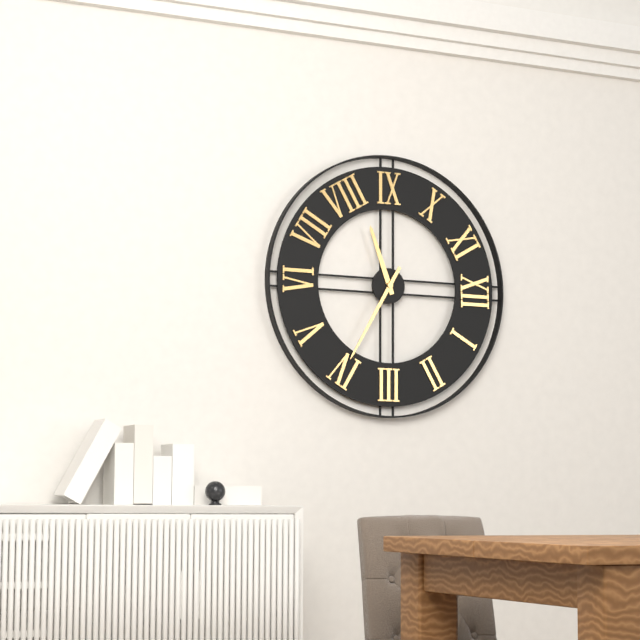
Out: h=8 m=20
